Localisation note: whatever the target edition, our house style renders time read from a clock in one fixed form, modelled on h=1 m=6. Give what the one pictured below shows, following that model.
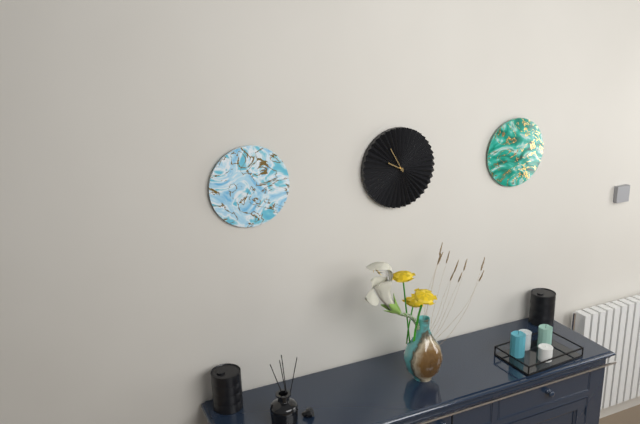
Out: h=9 m=55
